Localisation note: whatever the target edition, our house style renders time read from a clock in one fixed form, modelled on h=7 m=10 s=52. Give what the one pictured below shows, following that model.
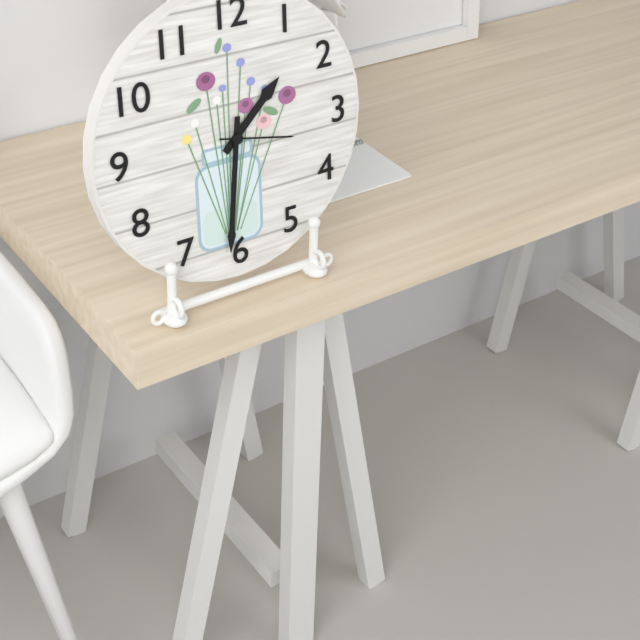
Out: h=1 m=31 s=17
